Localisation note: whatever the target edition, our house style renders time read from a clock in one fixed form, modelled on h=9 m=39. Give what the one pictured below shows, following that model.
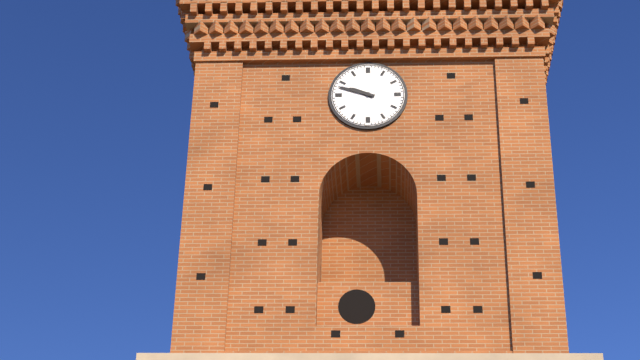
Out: h=9 m=48
